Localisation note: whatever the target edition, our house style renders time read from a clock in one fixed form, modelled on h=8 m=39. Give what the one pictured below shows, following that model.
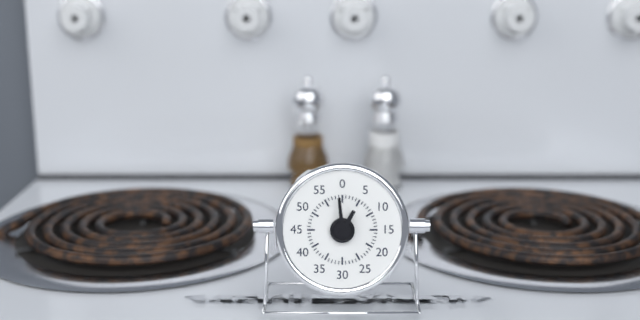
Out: h=12 m=59
